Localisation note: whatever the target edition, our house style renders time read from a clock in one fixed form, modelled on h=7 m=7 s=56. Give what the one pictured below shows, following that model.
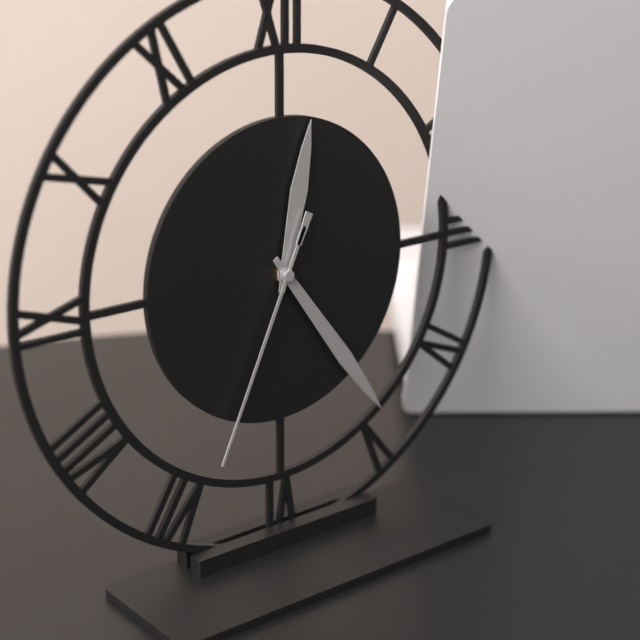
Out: h=12 m=24 s=34
